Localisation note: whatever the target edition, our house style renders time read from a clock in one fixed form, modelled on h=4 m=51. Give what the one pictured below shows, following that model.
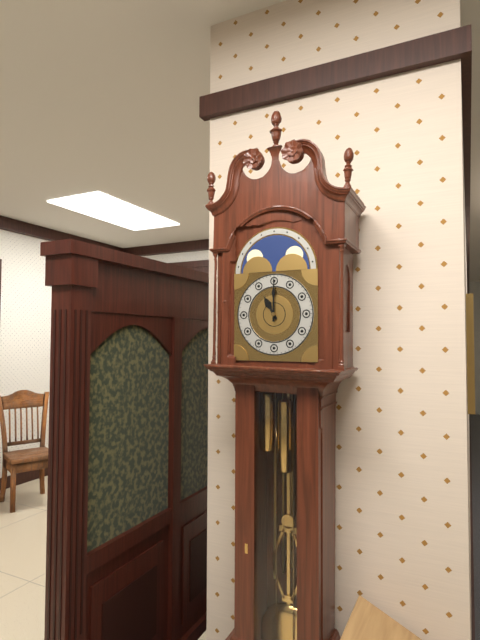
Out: h=11 m=0
